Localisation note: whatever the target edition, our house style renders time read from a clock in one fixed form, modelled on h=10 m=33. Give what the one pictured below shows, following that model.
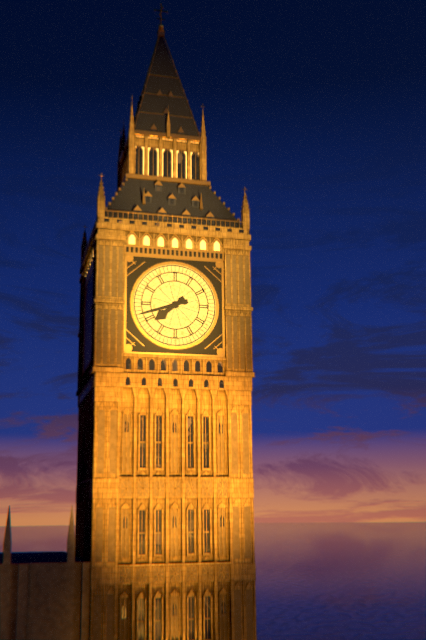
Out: h=7 m=42
